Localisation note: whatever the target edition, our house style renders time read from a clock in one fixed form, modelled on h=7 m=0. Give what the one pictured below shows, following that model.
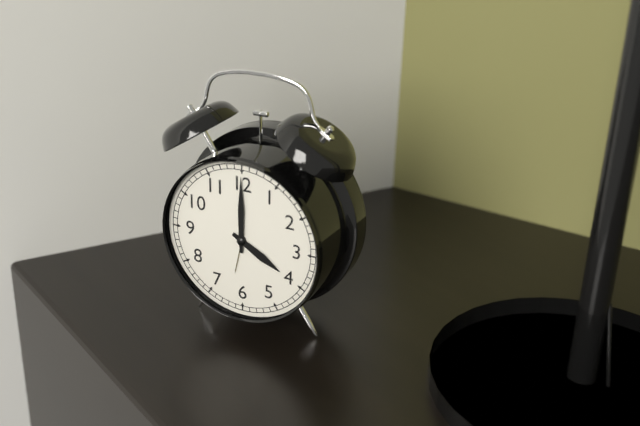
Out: h=4 m=0
